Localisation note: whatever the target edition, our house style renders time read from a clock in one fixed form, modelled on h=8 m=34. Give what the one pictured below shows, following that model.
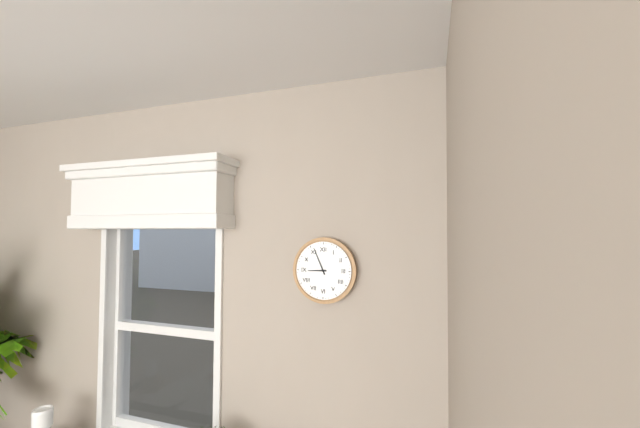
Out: h=8 m=56
